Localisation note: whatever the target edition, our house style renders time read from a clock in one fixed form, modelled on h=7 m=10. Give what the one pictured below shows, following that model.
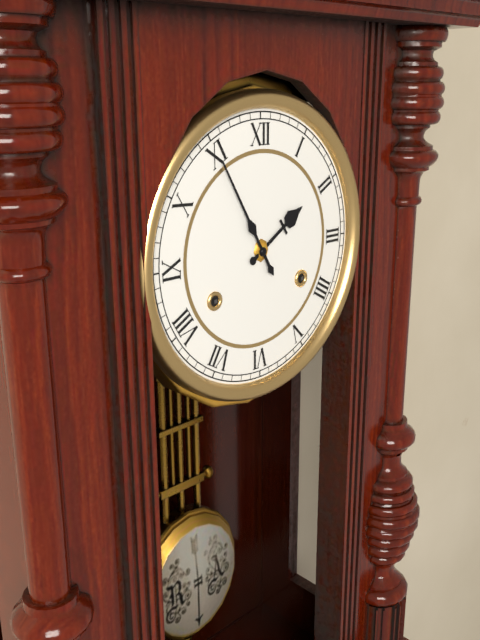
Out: h=1 m=55
